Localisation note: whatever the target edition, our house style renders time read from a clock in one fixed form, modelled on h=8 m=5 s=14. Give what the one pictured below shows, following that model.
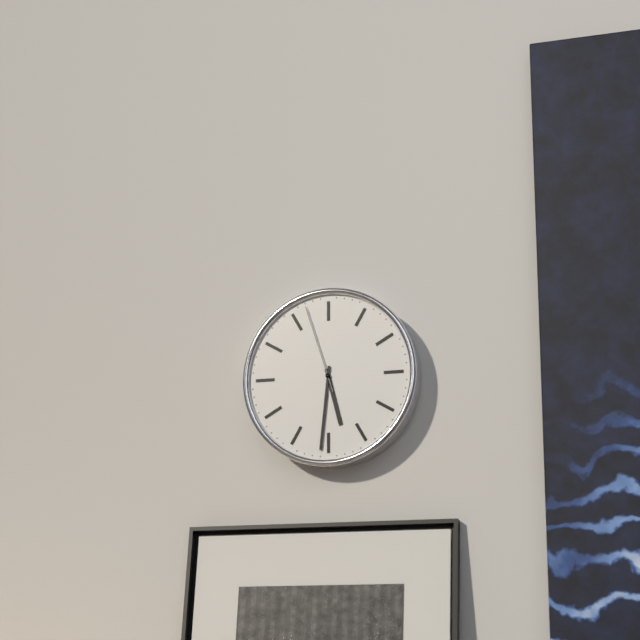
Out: h=5 m=31 s=57
